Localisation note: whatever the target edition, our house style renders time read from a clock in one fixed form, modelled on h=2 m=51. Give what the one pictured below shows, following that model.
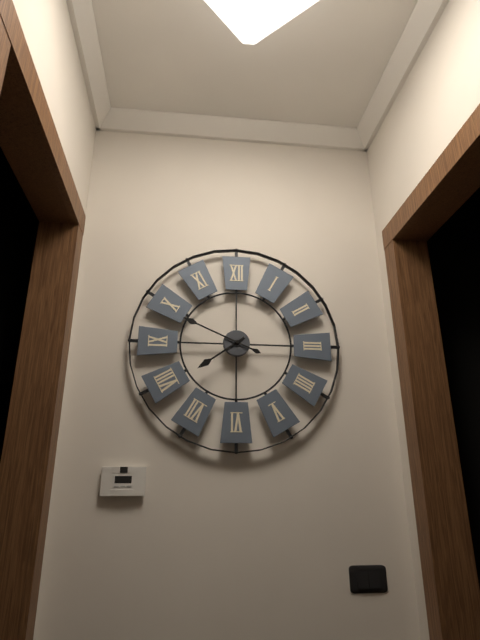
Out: h=7 m=49
